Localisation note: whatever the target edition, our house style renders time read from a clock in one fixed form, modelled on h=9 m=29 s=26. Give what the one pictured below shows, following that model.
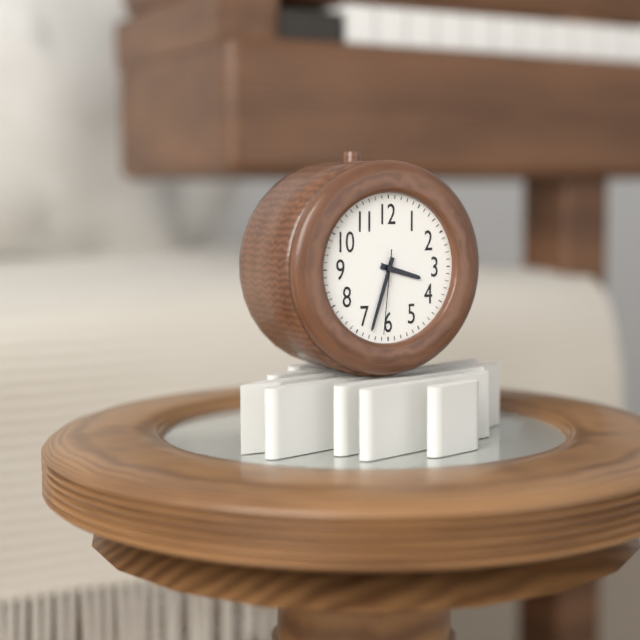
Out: h=3 m=33 s=31
